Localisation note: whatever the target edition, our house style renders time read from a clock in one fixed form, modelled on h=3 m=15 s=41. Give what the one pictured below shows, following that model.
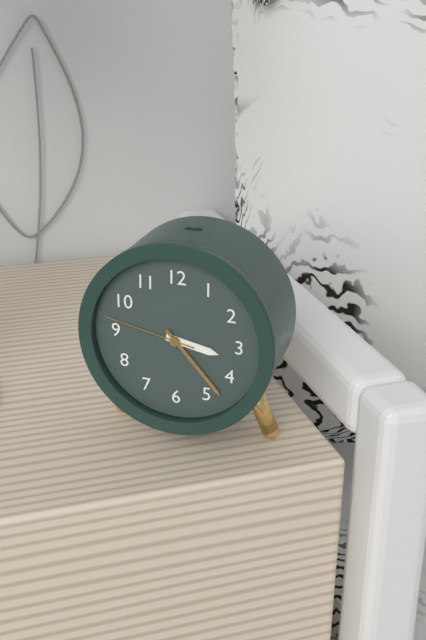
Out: h=3 m=23 s=47
